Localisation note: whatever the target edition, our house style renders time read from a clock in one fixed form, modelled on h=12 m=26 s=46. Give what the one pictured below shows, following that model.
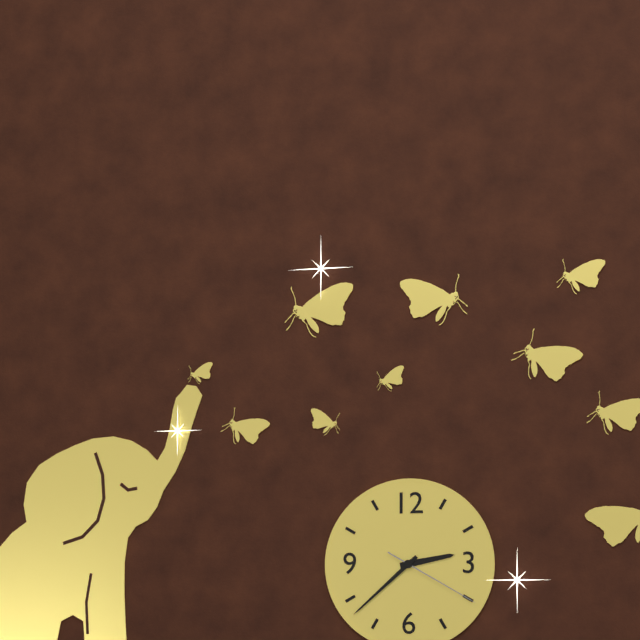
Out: h=2 m=38 s=20
